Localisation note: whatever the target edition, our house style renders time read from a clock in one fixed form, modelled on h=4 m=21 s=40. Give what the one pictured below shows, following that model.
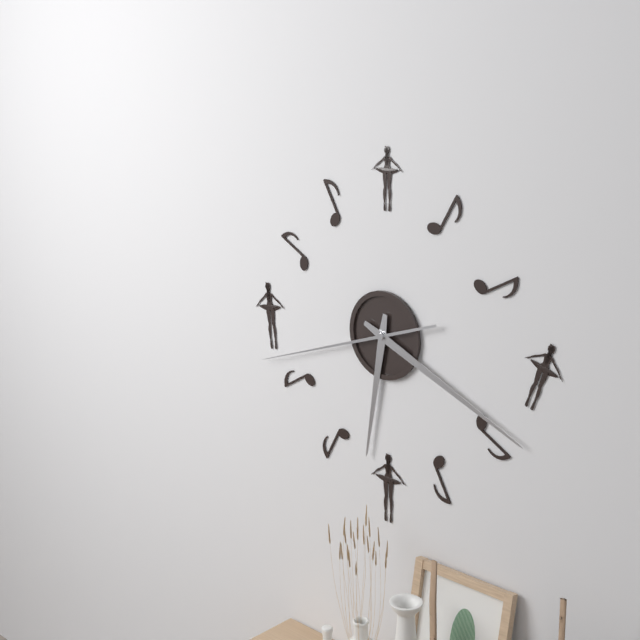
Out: h=6 m=19 s=42
